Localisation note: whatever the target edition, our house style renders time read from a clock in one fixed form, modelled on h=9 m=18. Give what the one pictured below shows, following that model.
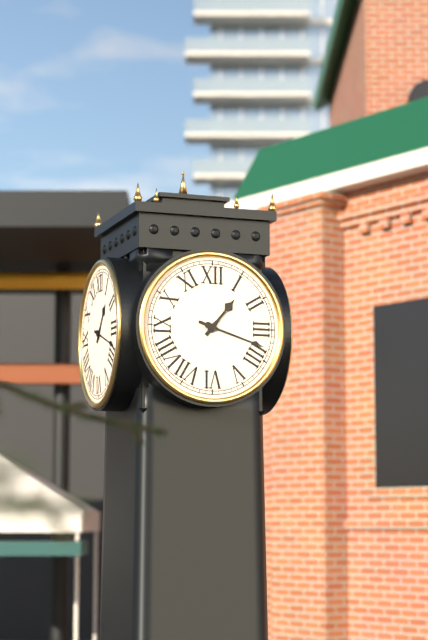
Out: h=1 m=18
